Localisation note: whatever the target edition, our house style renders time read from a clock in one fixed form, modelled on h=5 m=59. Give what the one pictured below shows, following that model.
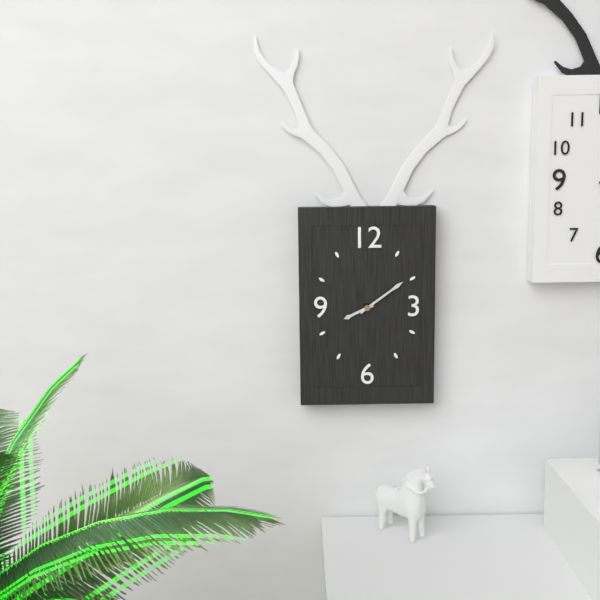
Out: h=8 m=9
